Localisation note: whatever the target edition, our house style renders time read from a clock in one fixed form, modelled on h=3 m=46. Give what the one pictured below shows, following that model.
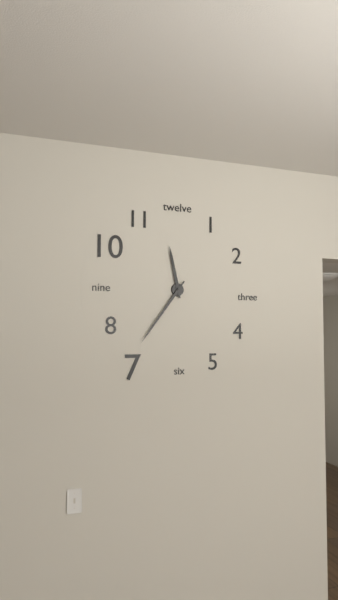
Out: h=11 m=36
